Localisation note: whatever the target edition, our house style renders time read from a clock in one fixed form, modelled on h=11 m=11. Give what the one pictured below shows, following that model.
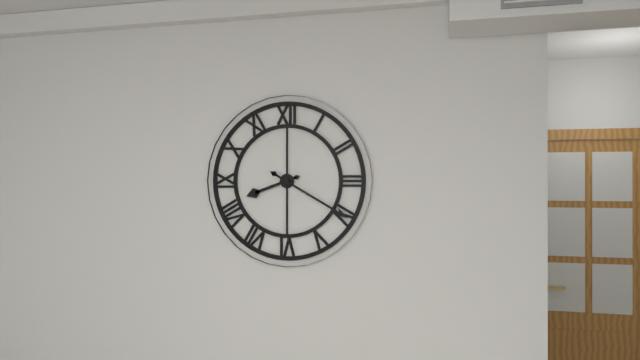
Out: h=8 m=20
